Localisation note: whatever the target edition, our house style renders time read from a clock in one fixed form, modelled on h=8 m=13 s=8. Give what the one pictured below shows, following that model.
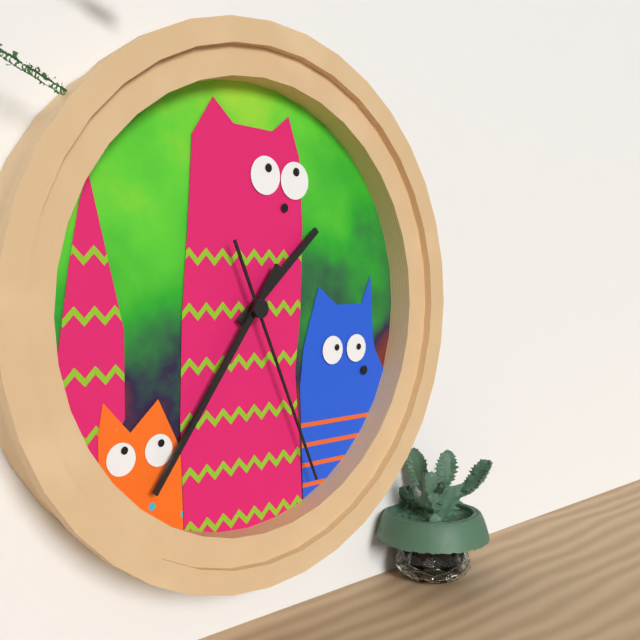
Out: h=1 m=36 s=26
